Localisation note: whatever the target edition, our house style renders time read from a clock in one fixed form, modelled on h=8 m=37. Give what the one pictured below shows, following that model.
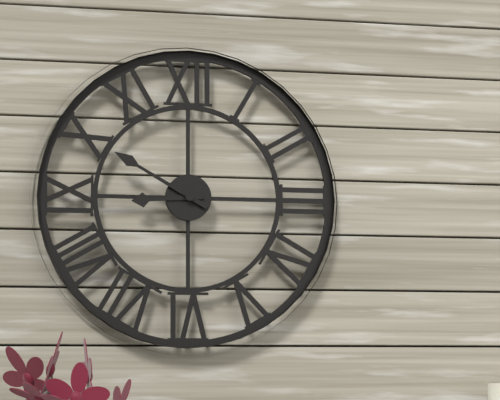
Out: h=8 m=50
